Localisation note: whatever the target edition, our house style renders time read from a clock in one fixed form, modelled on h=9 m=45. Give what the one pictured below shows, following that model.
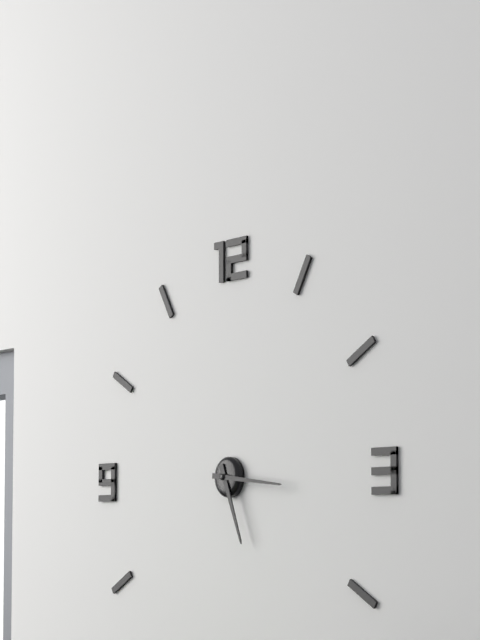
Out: h=5 m=16
